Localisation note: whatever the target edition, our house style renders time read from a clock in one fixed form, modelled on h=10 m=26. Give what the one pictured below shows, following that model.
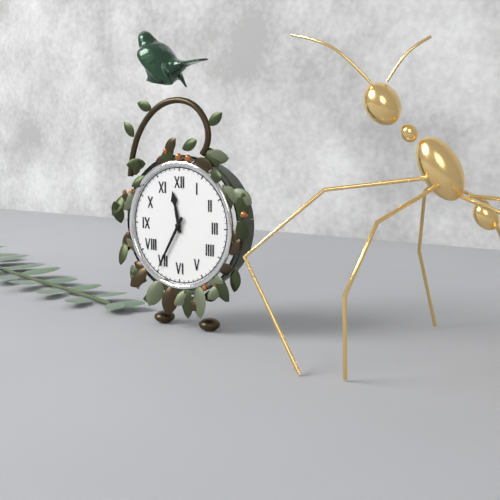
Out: h=11 m=35
